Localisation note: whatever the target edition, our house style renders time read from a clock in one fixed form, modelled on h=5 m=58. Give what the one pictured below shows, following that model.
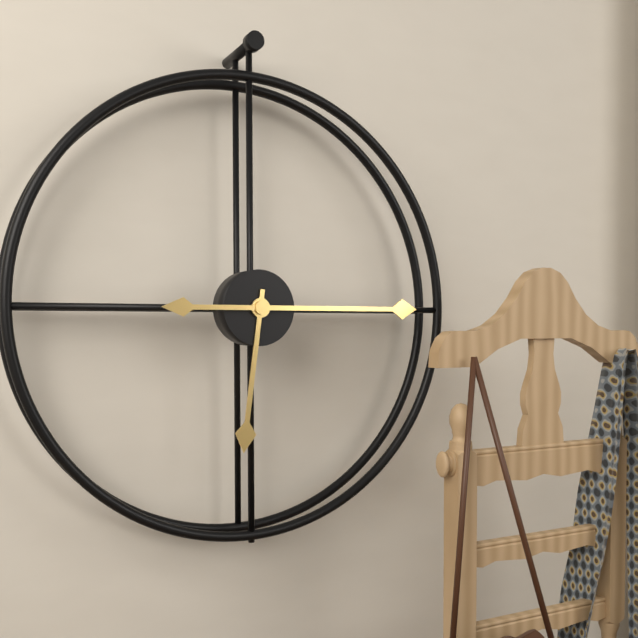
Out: h=6 m=15
